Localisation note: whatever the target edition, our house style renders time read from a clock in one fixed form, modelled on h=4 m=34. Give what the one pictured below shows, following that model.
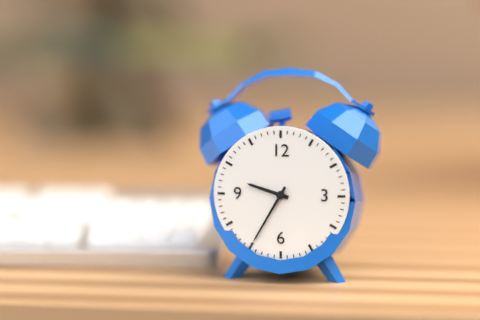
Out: h=9 m=35
